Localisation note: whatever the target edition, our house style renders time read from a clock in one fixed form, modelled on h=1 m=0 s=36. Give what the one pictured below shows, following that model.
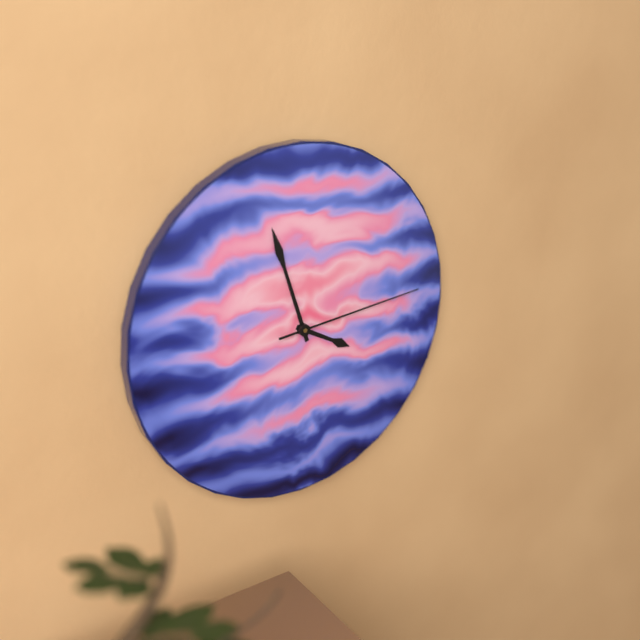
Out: h=3 m=57 s=14
